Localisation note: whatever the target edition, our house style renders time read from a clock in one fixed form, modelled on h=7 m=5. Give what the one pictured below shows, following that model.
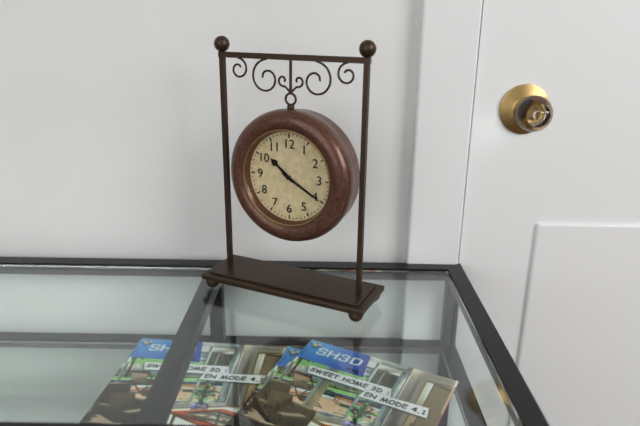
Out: h=10 m=20
